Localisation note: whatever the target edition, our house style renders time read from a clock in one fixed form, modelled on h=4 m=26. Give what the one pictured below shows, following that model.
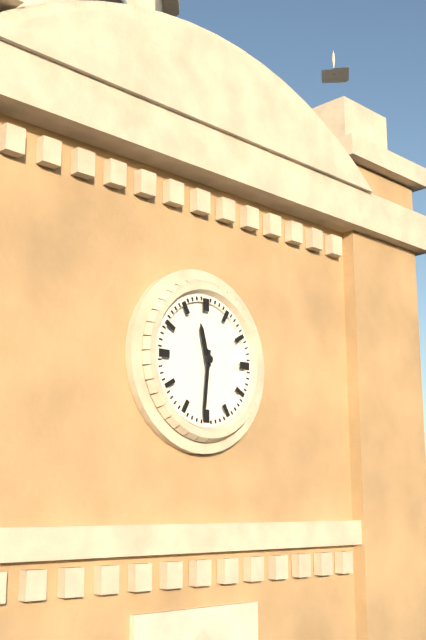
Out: h=11 m=31
